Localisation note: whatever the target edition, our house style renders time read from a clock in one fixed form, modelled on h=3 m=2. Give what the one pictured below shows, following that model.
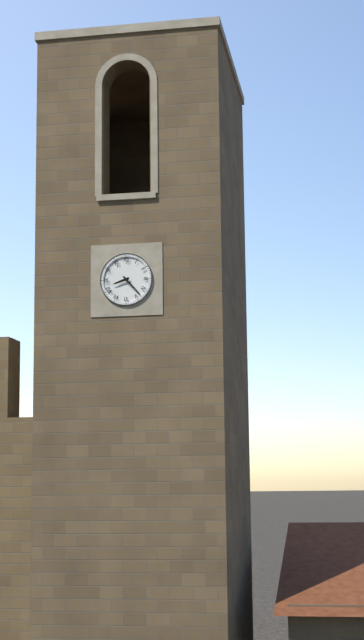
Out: h=8 m=23
